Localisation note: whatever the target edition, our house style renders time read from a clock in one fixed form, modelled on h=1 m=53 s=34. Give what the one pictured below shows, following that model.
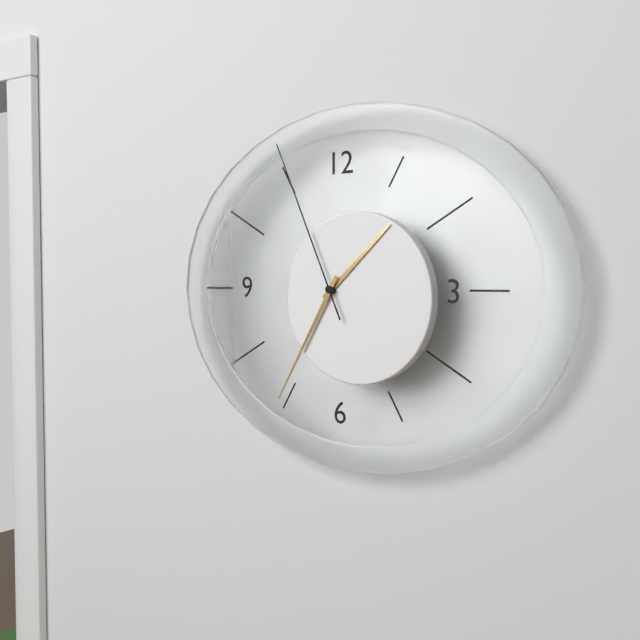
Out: h=1 m=35 s=56
